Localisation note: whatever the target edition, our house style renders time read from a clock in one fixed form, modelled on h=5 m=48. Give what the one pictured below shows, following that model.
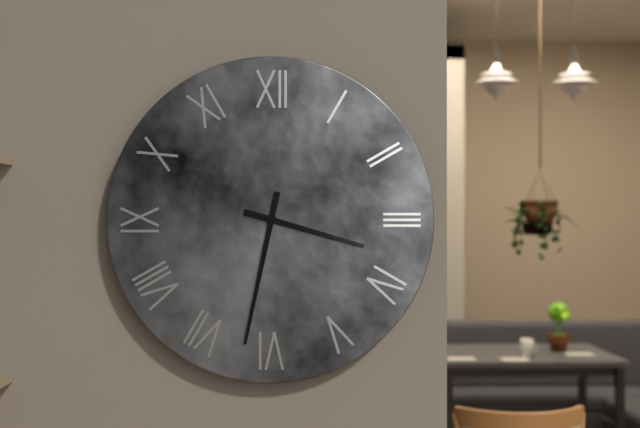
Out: h=3 m=32
